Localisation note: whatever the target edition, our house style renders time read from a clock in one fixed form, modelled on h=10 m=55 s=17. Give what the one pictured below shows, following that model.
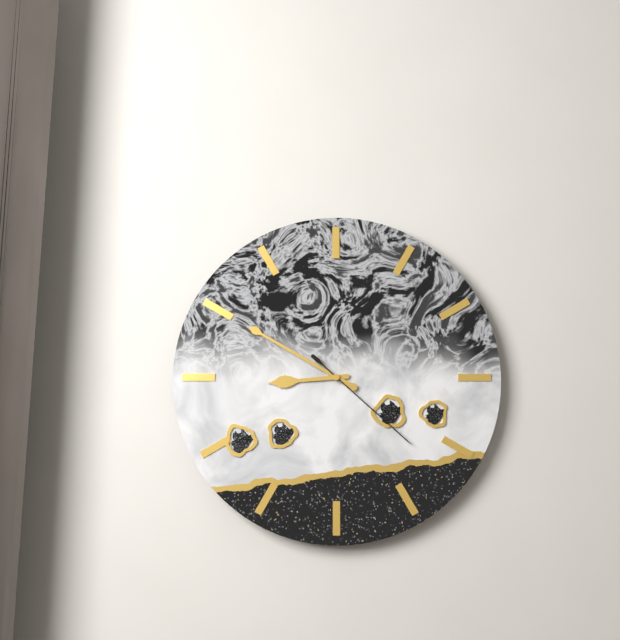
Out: h=8 m=50 s=22
